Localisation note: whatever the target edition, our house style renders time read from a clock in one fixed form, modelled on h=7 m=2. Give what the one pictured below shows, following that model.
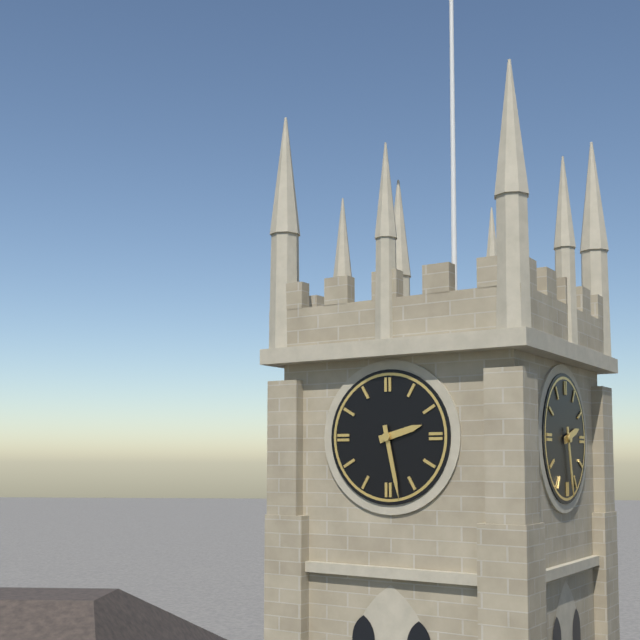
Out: h=2 m=28
